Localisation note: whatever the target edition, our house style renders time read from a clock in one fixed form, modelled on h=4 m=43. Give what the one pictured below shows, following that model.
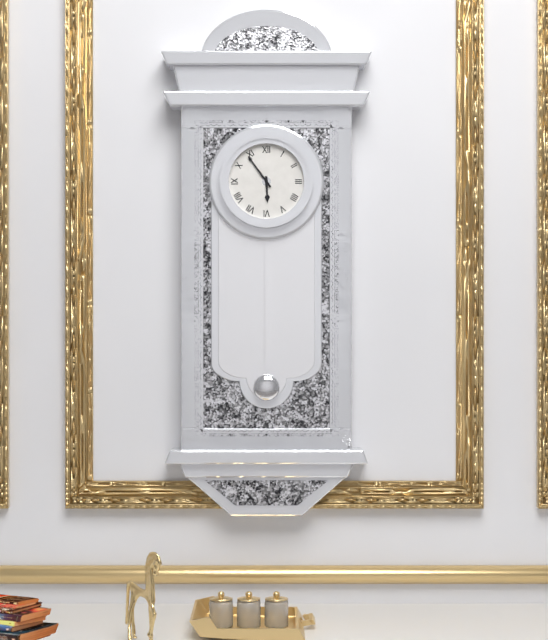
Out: h=5 m=54
